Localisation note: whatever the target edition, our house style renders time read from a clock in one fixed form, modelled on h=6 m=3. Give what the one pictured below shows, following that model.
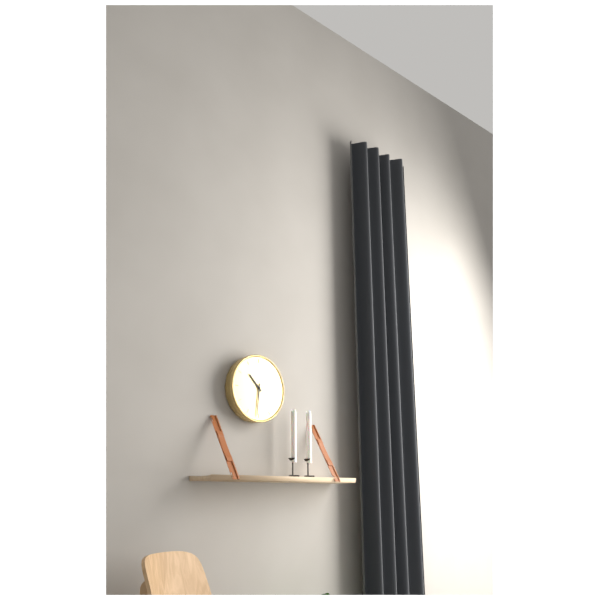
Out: h=10 m=31
